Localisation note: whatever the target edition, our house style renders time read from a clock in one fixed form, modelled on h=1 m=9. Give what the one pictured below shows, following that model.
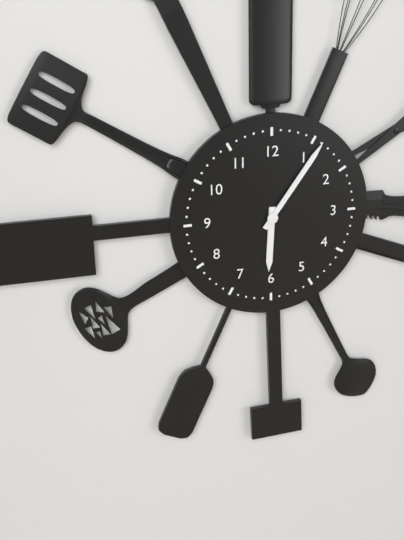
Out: h=6 m=6
